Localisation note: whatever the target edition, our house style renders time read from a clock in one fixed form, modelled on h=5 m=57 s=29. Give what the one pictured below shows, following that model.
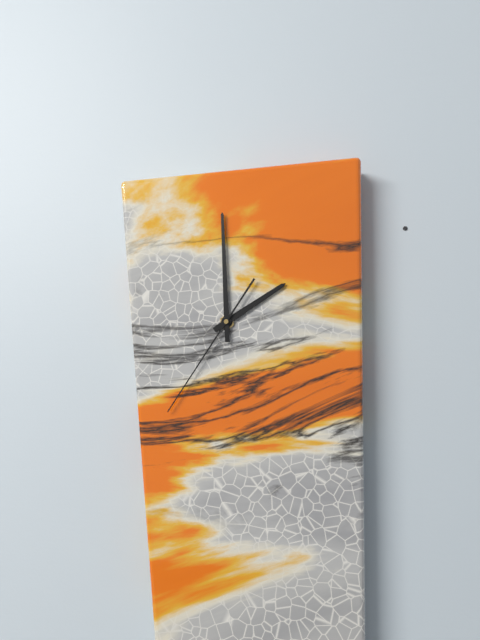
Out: h=2 m=0 s=36
